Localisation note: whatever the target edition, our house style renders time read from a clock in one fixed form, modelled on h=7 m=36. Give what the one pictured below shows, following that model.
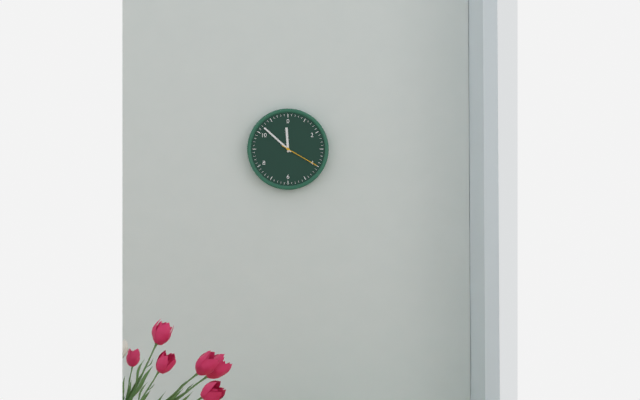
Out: h=11 m=52
